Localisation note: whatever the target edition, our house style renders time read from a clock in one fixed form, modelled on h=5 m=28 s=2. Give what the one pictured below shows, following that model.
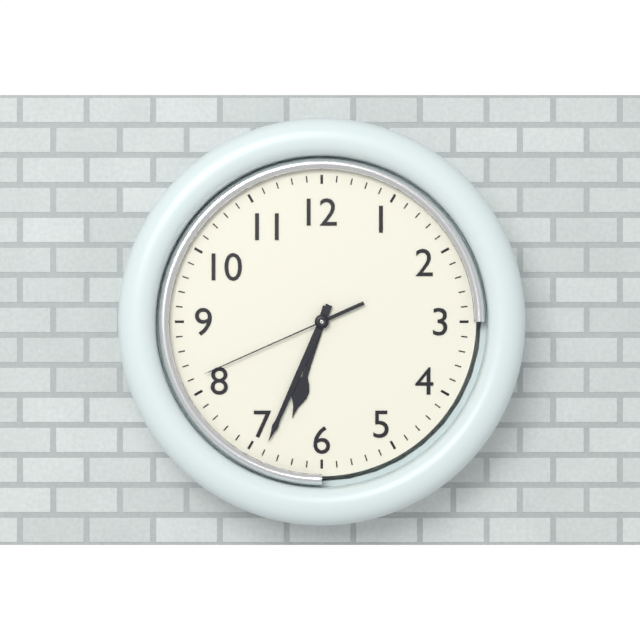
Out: h=6 m=34 s=41
